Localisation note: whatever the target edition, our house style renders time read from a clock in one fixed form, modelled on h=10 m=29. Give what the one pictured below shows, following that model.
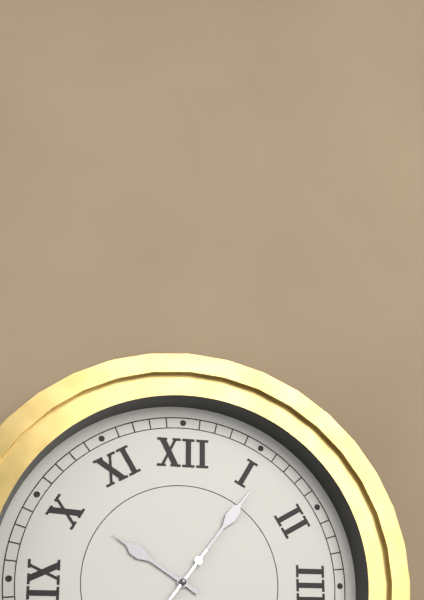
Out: h=10 m=6
